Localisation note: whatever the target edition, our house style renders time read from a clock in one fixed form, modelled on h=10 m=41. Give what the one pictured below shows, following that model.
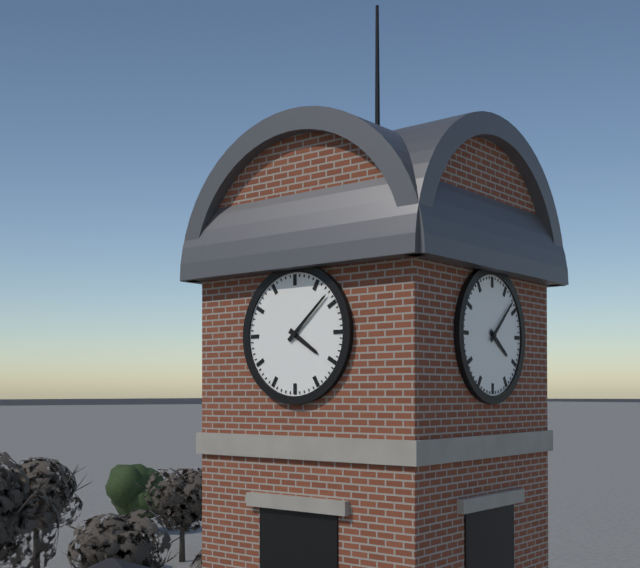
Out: h=4 m=8
